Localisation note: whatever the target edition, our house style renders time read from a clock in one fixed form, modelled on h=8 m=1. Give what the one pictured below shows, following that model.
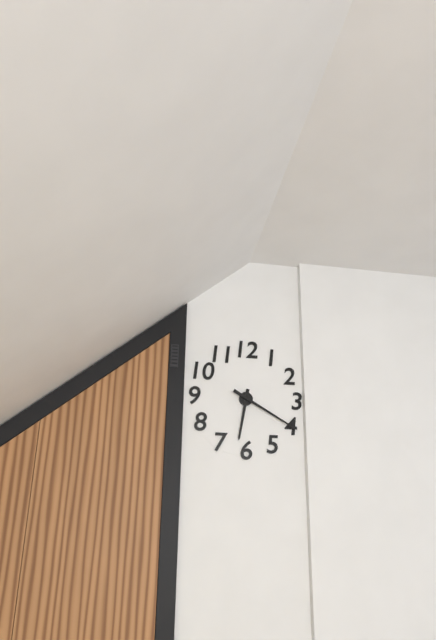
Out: h=6 m=20
